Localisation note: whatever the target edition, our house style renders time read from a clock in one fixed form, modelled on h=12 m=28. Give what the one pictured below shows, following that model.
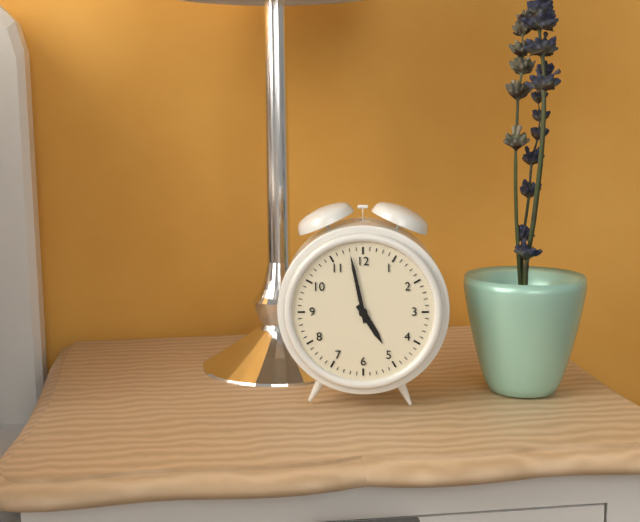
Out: h=4 m=58
